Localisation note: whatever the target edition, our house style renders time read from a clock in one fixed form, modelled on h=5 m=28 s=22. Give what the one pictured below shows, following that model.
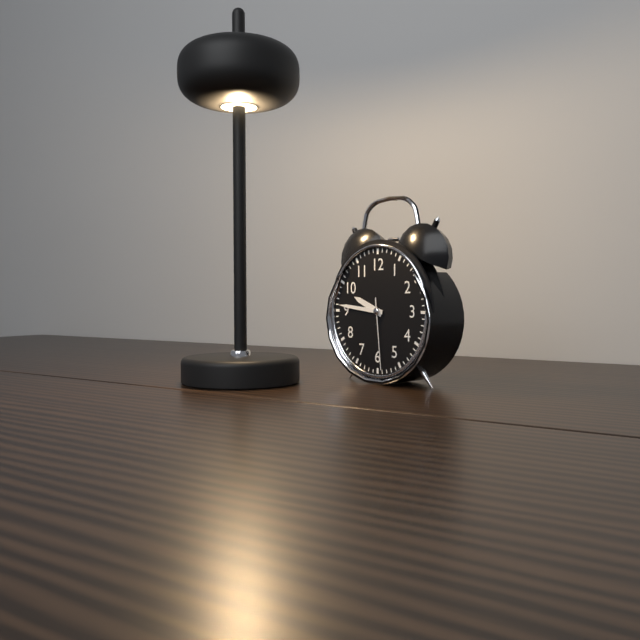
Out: h=9 m=46 s=29
